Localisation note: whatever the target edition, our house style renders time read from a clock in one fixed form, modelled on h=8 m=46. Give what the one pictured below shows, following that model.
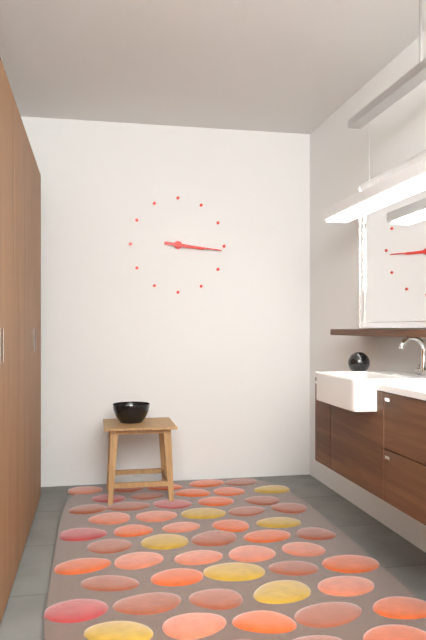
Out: h=3 m=16
